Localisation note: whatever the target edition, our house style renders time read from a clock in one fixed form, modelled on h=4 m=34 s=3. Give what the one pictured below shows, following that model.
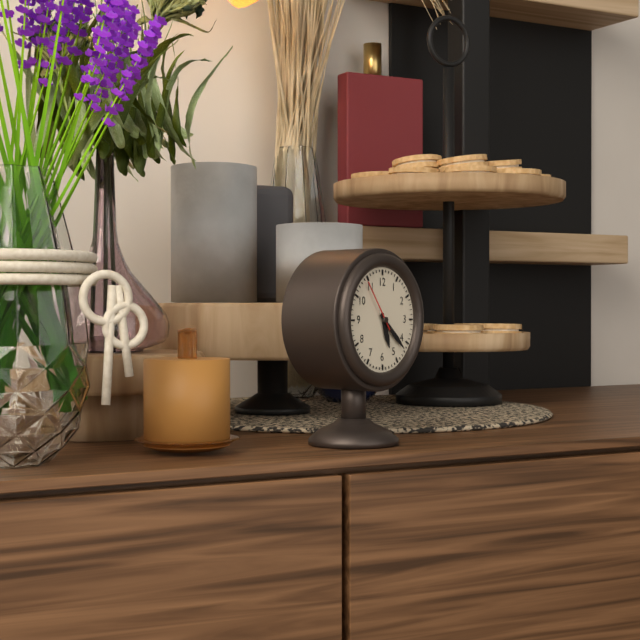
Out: h=5 m=22 s=54
